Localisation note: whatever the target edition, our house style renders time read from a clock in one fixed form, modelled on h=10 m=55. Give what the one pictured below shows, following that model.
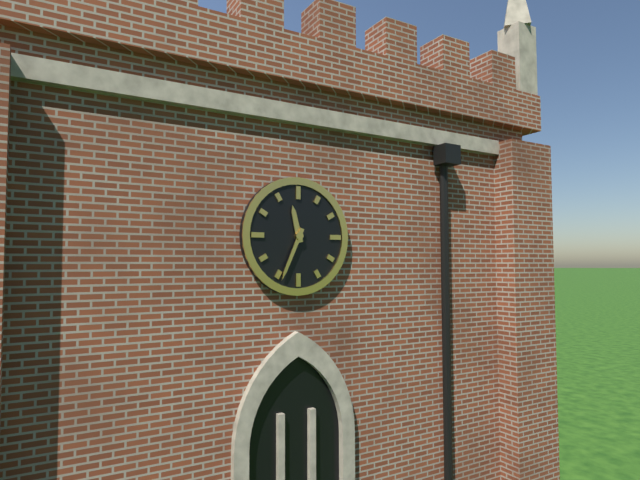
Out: h=11 m=34
